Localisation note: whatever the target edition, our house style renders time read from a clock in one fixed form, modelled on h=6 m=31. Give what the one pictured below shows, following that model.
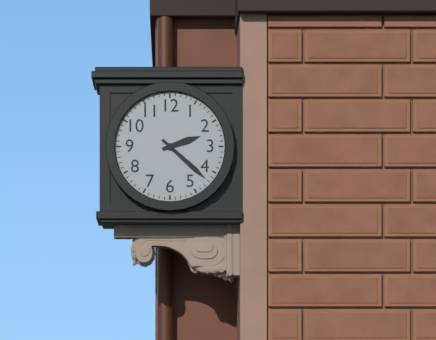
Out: h=2 m=22
